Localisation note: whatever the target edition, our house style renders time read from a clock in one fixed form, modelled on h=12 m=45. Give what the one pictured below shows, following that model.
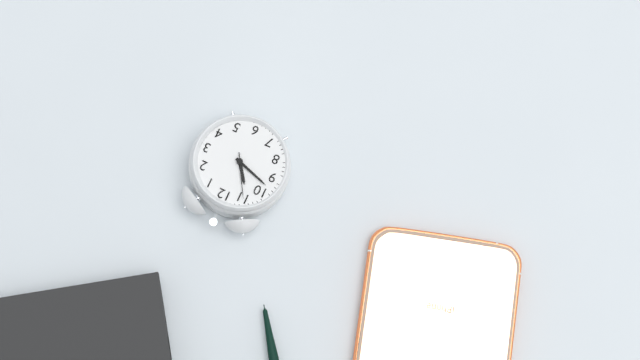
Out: h=10 m=48
